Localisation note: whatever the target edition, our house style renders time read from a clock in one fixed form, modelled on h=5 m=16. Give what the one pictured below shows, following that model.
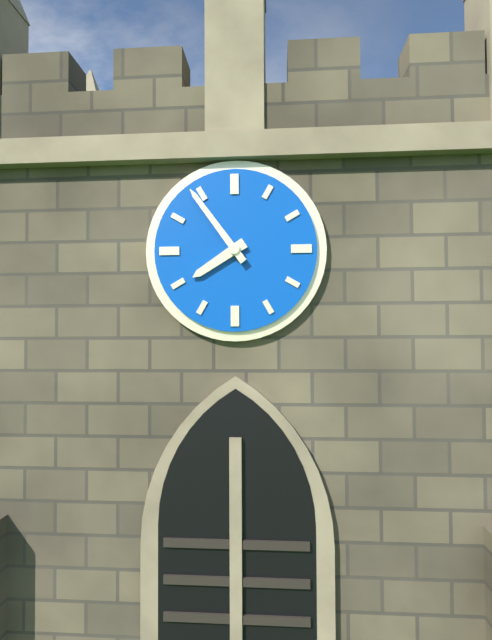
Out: h=7 m=54
